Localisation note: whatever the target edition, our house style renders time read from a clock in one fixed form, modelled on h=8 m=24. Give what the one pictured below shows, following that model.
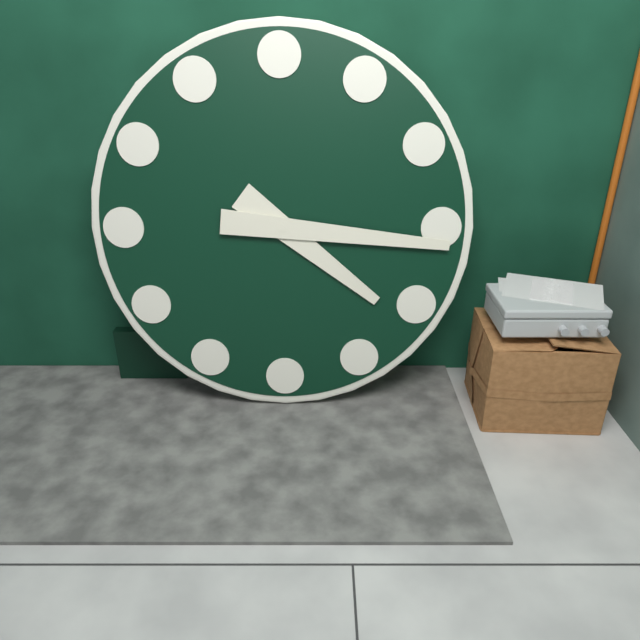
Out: h=4 m=16
